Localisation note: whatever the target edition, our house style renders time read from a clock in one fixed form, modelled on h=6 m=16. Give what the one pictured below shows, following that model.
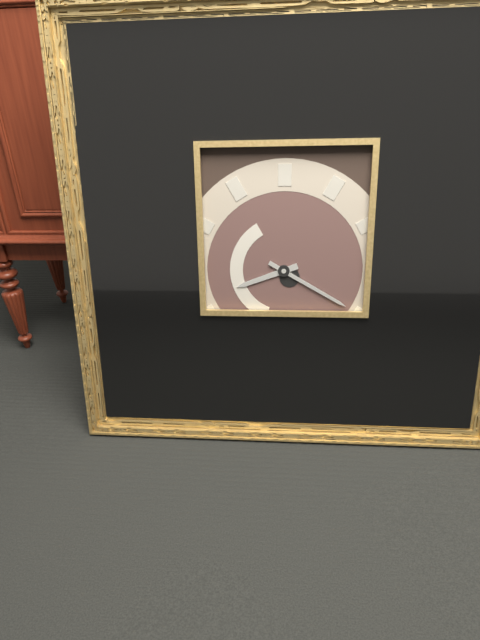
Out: h=8 m=20
